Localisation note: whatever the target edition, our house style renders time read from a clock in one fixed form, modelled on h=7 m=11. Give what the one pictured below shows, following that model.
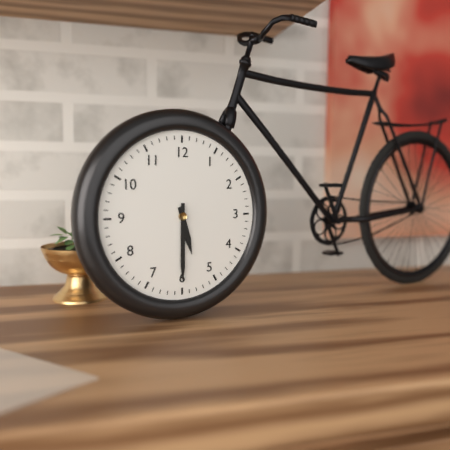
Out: h=5 m=30
